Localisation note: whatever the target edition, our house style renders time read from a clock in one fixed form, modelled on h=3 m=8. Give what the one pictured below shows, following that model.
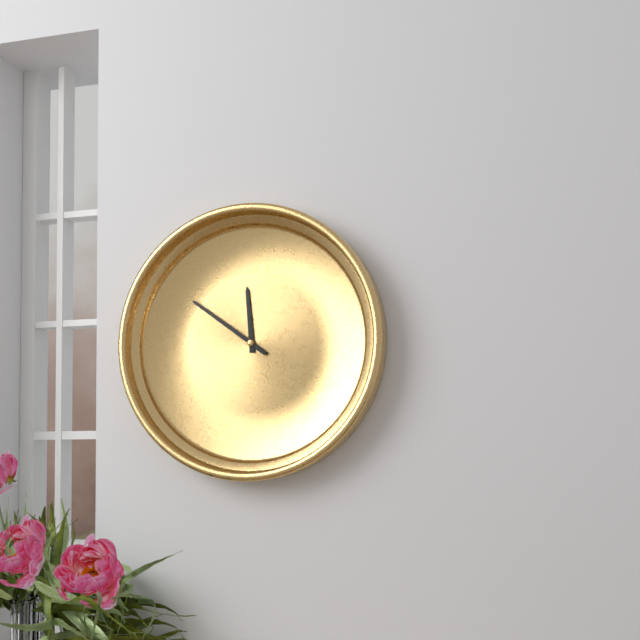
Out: h=11 m=51
